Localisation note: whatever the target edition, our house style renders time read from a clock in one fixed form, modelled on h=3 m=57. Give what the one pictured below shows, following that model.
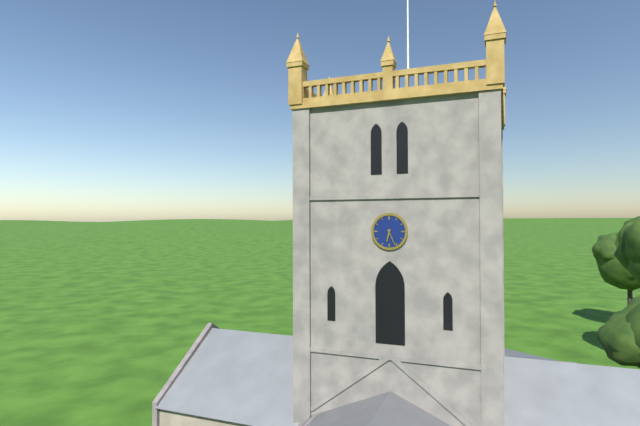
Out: h=6 m=26
